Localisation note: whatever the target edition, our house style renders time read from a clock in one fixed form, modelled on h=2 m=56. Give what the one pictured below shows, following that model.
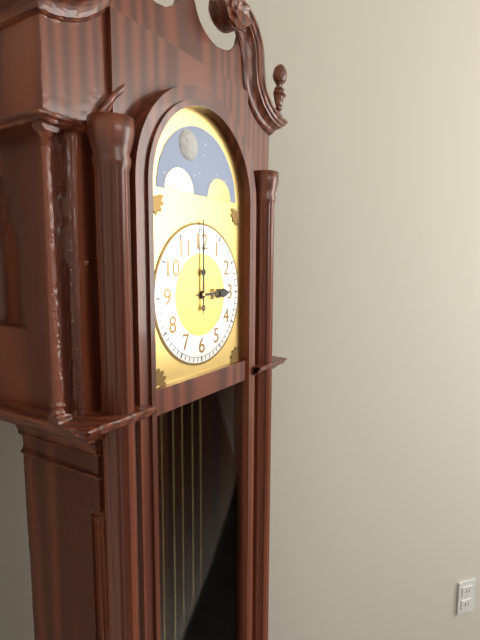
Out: h=3 m=0
